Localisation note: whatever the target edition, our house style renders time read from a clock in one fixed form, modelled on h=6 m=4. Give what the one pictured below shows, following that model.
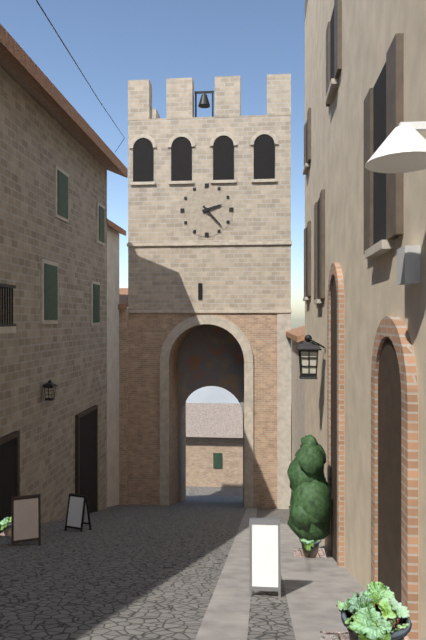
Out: h=2 m=23
